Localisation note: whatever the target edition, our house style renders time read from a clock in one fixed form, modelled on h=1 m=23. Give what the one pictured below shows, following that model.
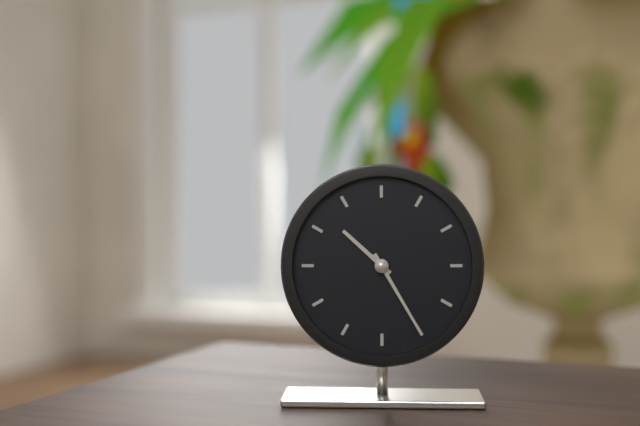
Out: h=10 m=25
